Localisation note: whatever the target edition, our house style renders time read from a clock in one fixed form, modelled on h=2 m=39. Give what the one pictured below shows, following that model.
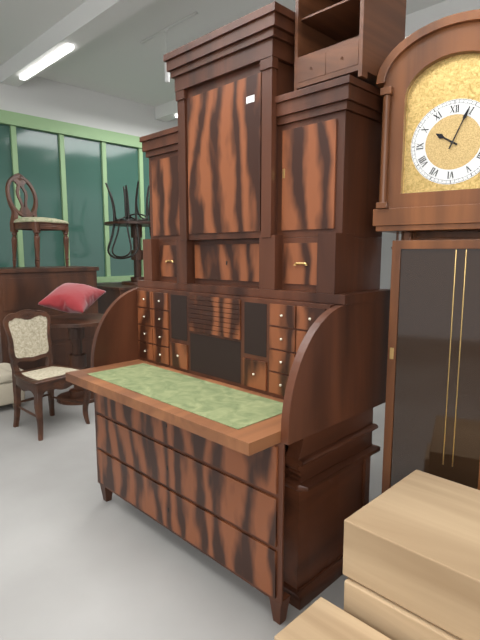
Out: h=10 m=4
